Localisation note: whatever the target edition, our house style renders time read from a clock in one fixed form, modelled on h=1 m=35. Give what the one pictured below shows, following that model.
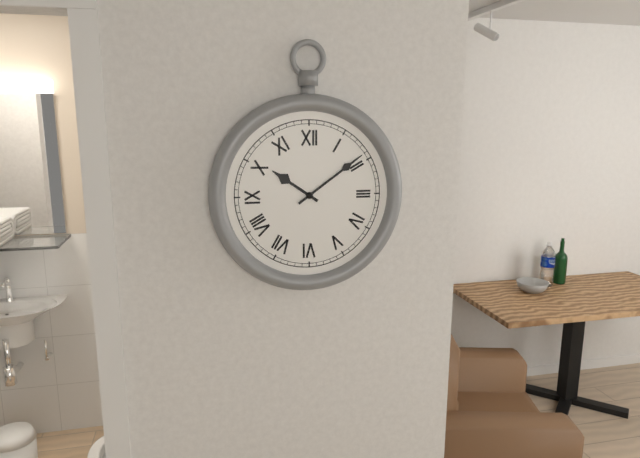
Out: h=10 m=9
